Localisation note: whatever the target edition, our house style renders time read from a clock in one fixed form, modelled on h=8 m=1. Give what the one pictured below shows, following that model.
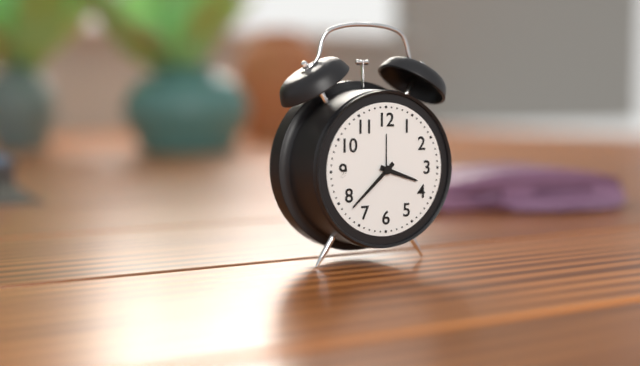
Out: h=3 m=38
